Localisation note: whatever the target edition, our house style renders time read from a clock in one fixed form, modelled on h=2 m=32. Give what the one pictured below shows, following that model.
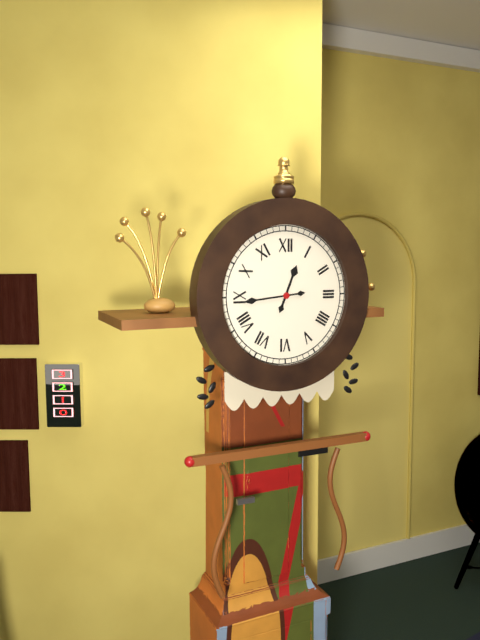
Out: h=12 m=44
